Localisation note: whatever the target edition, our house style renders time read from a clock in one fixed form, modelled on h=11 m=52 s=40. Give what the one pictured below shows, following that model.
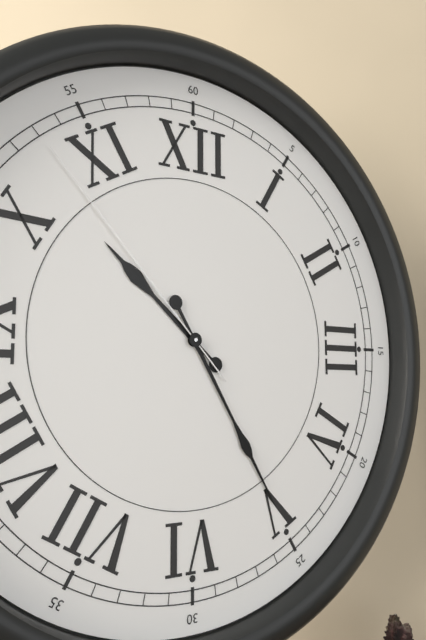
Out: h=10 m=25 s=53
